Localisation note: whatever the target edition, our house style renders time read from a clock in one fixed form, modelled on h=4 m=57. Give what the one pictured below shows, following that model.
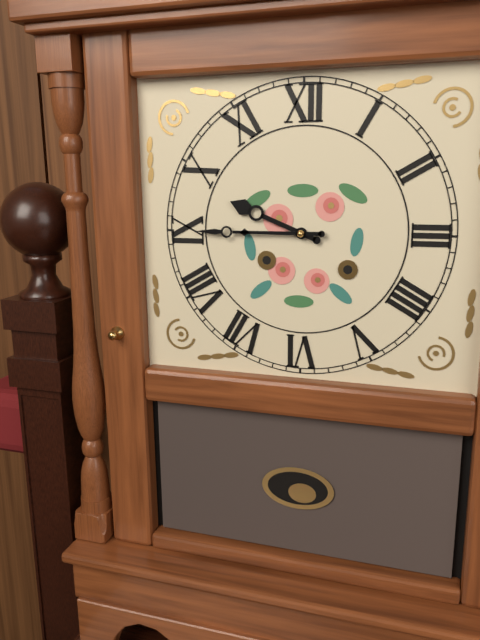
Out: h=9 m=45
